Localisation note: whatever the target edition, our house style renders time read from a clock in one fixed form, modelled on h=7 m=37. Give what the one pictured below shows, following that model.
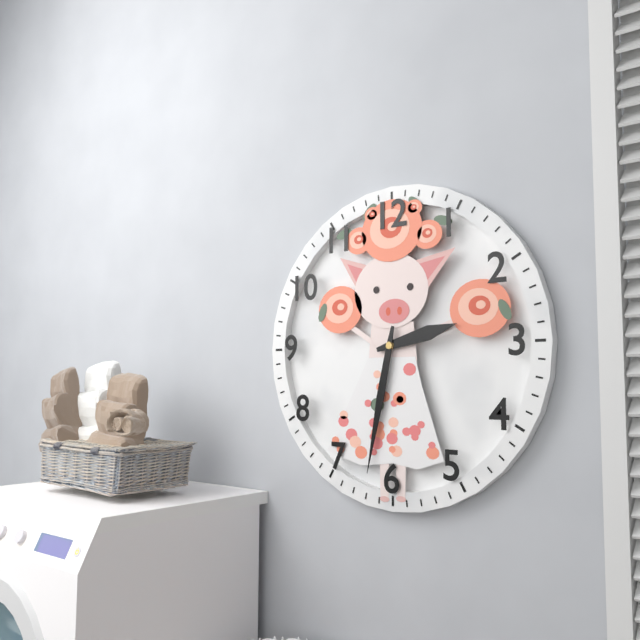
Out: h=2 m=32
